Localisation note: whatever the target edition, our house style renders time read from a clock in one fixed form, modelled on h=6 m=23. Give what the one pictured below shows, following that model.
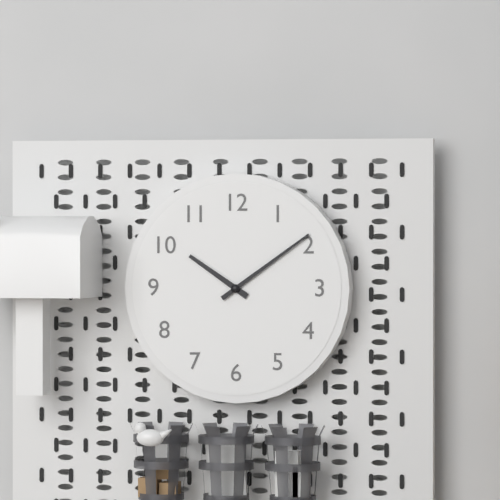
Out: h=10 m=9
